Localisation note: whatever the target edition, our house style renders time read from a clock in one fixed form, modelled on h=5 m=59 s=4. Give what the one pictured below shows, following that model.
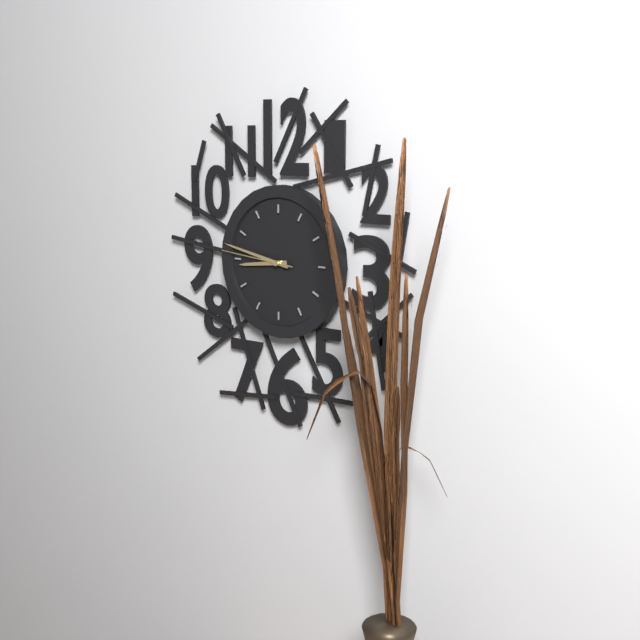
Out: h=8 m=47 s=46
